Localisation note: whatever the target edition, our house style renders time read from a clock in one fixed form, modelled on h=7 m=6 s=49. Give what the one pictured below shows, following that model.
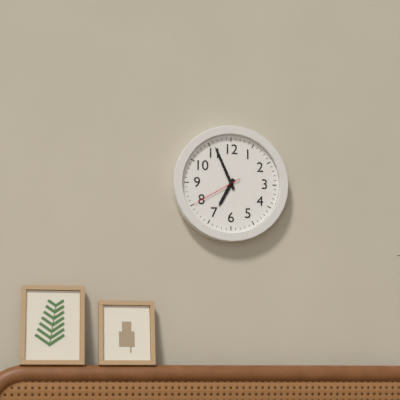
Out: h=6 m=56 s=40
